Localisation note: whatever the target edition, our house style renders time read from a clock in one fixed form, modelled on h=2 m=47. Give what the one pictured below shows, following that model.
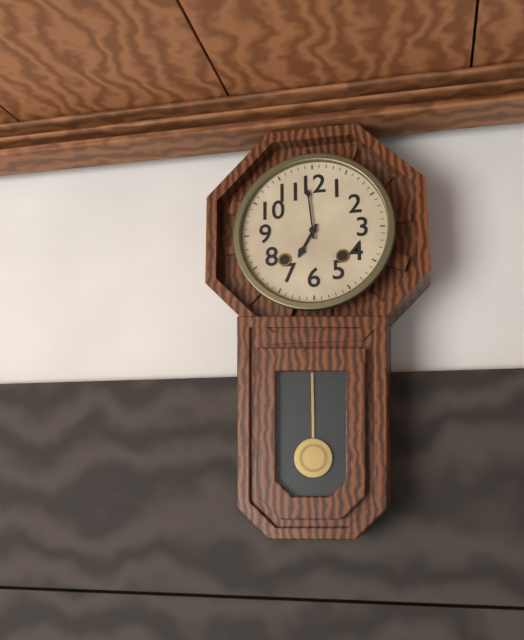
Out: h=6 m=59
